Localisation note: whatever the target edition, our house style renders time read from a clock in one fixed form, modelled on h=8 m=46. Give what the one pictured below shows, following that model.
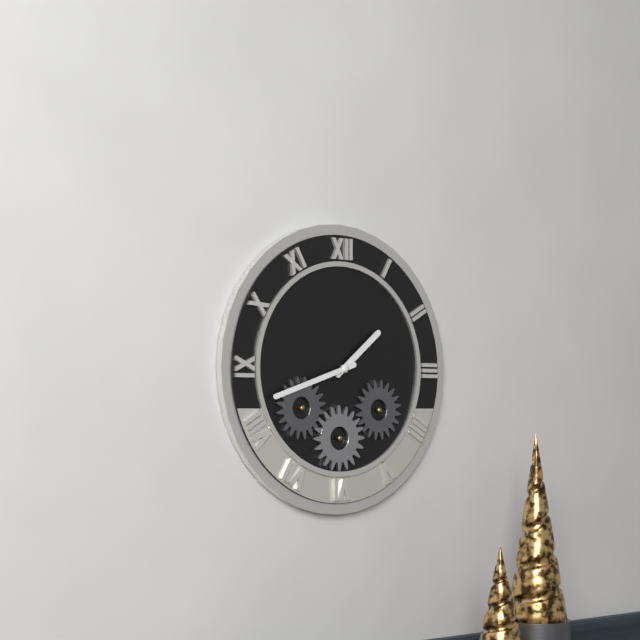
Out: h=1 m=42
